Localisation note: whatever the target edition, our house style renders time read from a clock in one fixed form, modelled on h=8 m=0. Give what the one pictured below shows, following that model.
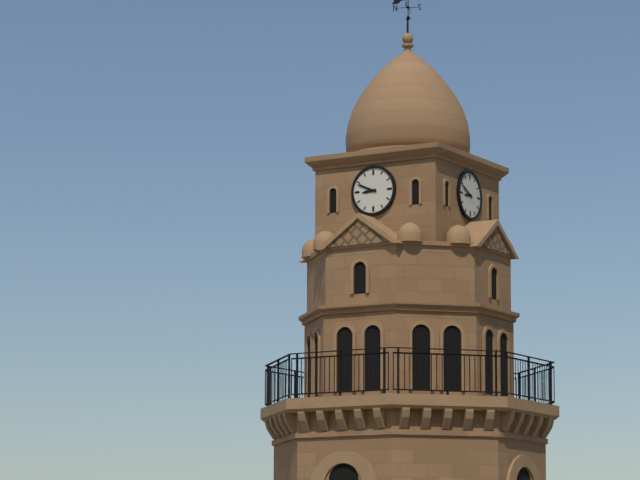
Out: h=8 m=49
